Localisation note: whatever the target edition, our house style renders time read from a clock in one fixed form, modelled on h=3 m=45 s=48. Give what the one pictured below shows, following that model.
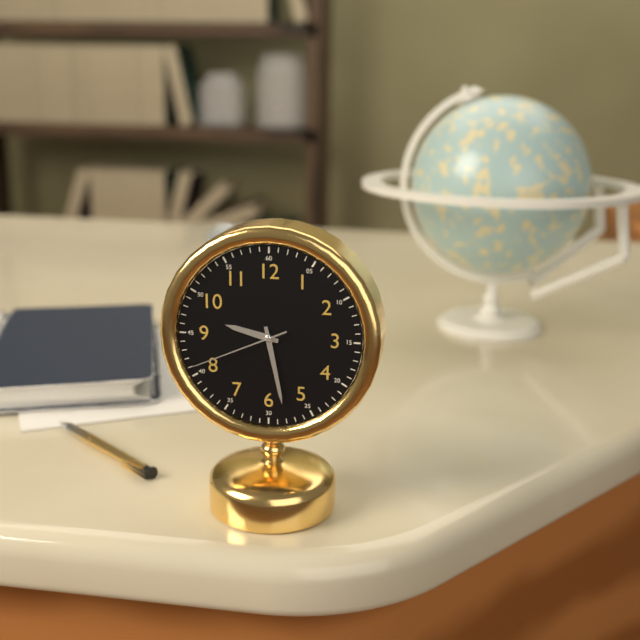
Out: h=9 m=28 s=41
